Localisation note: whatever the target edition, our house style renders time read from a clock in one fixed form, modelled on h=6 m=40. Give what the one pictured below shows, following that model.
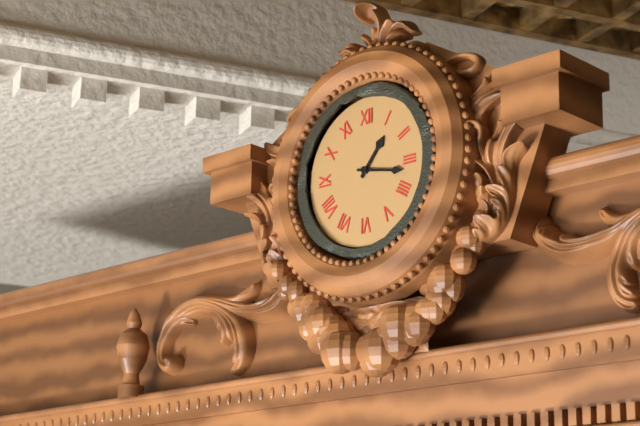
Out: h=1 m=17
